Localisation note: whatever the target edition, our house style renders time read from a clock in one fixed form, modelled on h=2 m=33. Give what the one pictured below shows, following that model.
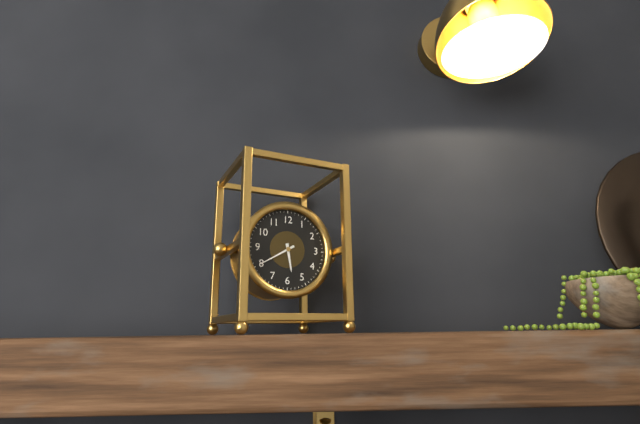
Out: h=5 m=40
